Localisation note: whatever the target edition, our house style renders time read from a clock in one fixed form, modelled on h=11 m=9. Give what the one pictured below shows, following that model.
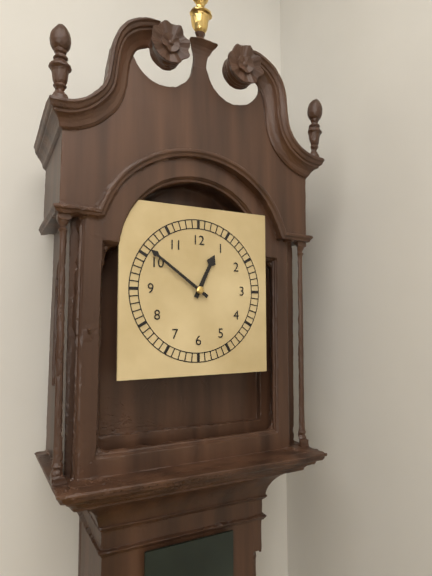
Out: h=12 m=51
